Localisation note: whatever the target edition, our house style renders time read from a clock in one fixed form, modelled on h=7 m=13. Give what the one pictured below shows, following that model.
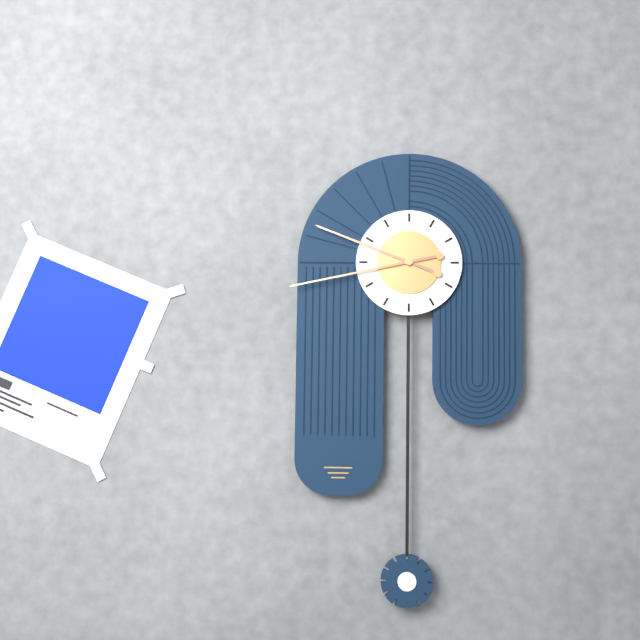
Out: h=9 m=43
